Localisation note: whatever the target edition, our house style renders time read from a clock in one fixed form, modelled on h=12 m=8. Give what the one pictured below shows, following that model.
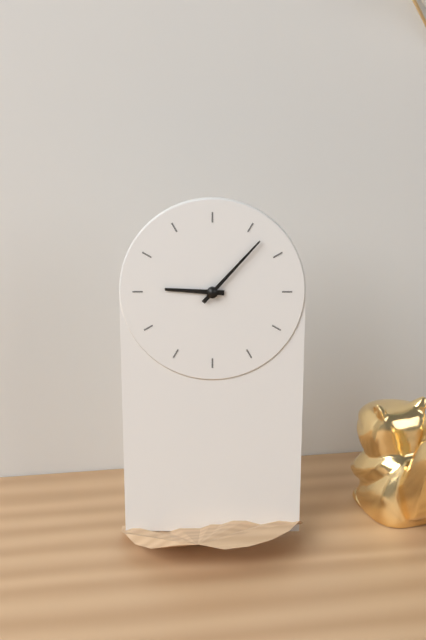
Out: h=9 m=7
